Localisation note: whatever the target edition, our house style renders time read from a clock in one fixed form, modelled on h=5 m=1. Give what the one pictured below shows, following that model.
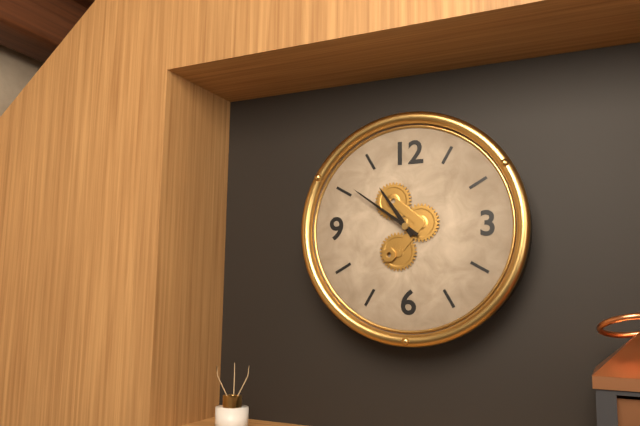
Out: h=10 m=51
